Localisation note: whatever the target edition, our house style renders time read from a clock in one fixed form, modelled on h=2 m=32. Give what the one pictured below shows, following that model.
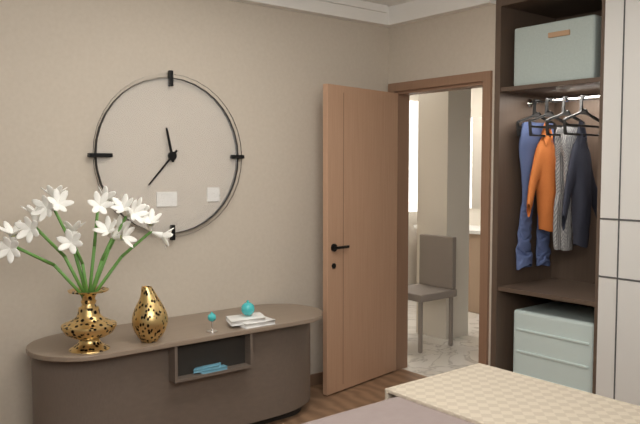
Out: h=11 m=37
